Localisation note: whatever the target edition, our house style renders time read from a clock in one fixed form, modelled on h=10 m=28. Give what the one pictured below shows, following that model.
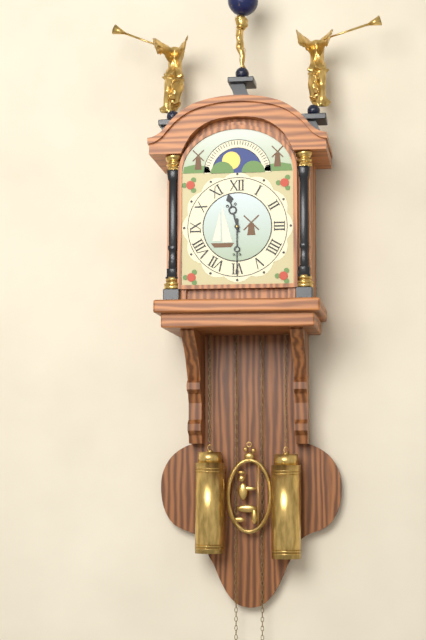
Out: h=11 m=30
